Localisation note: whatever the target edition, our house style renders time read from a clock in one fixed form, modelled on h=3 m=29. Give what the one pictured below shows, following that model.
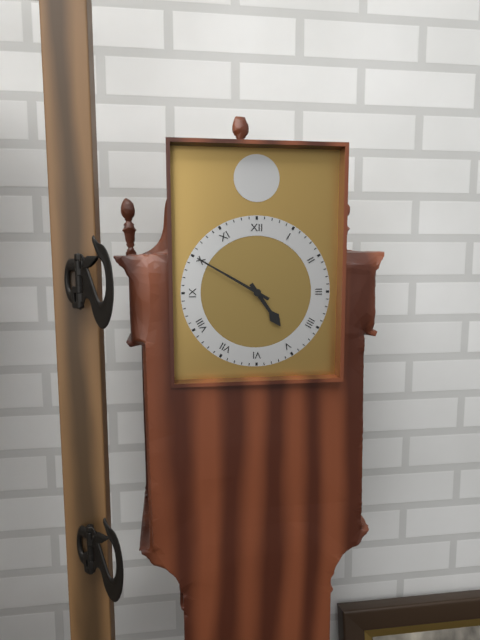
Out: h=4 m=50
